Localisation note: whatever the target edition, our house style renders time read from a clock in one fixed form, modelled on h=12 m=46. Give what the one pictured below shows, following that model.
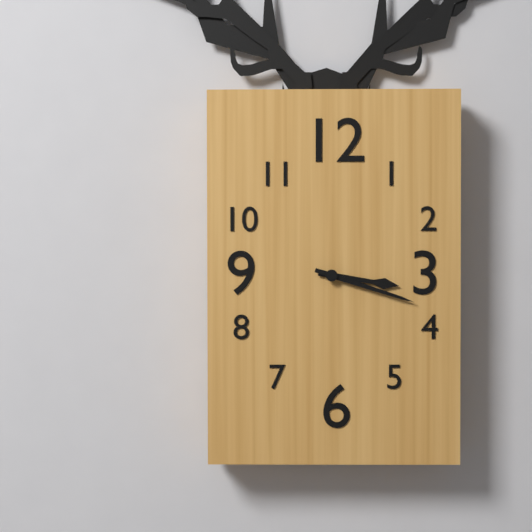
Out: h=3 m=18
